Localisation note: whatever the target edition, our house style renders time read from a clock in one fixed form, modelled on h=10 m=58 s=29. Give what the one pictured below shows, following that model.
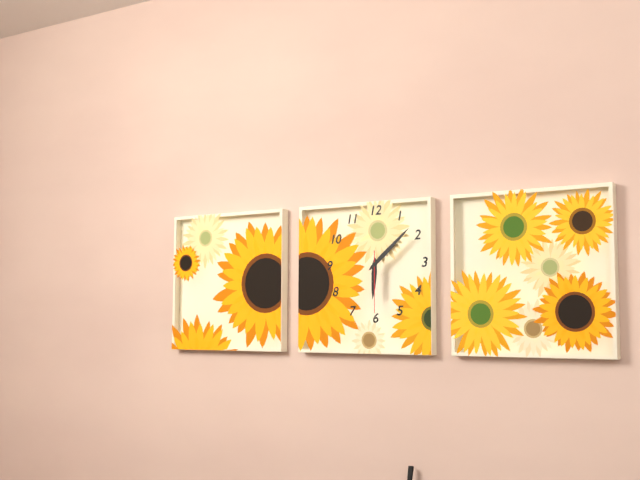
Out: h=6 m=8 s=30
